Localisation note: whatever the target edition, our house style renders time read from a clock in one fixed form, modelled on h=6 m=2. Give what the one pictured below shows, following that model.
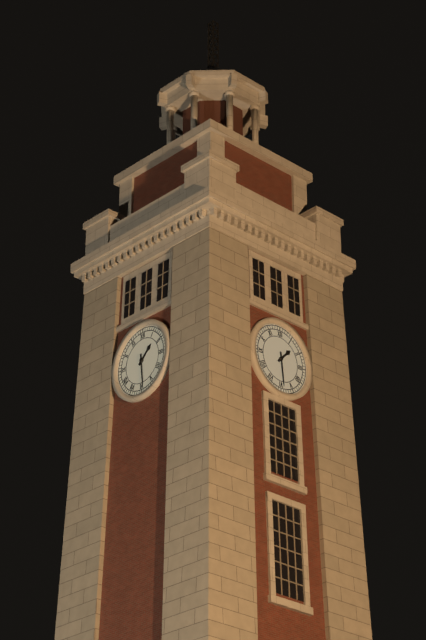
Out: h=1 m=29
